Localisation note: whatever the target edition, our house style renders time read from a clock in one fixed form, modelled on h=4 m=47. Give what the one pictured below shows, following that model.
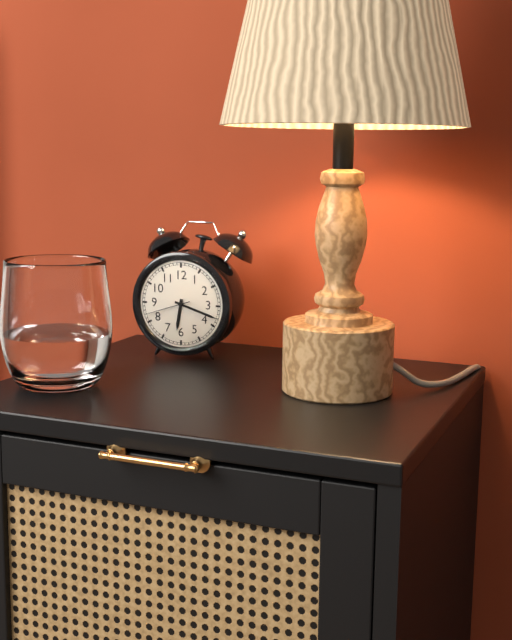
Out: h=6 m=18
